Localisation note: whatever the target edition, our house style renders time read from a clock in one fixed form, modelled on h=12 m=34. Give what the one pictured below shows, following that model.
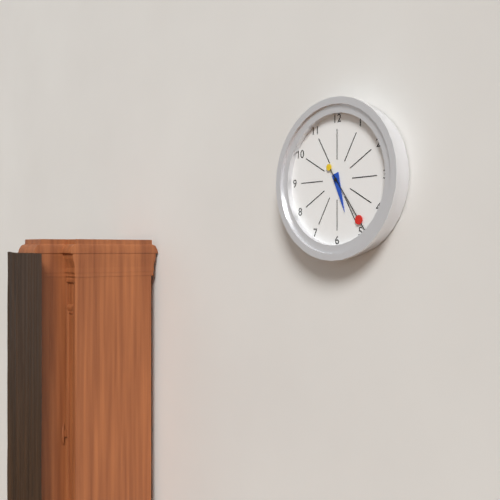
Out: h=5 m=24
